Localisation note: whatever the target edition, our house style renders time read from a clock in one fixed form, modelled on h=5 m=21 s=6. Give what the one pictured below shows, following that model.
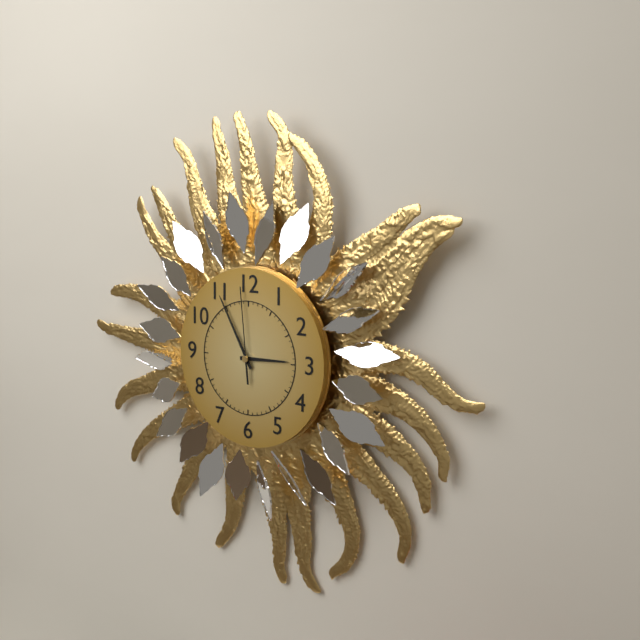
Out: h=2 m=55 s=59
